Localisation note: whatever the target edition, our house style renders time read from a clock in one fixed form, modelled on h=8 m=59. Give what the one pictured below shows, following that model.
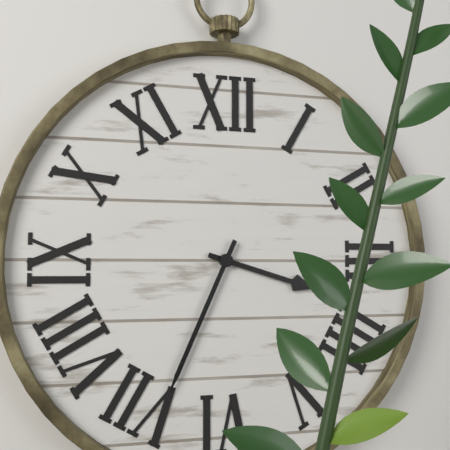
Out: h=3 m=34
